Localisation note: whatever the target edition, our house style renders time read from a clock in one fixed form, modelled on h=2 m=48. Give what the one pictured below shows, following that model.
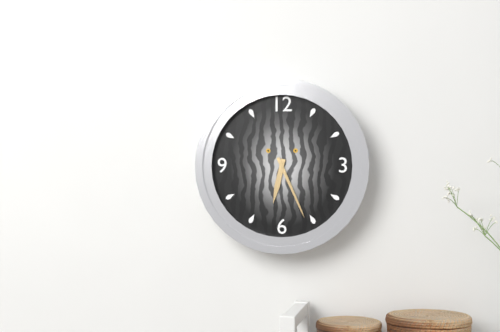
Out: h=6 m=26
